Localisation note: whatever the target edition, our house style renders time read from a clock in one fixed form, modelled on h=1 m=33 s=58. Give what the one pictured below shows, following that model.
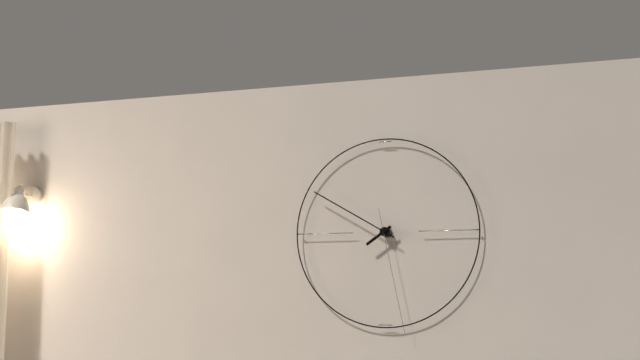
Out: h=7 m=50 s=28
